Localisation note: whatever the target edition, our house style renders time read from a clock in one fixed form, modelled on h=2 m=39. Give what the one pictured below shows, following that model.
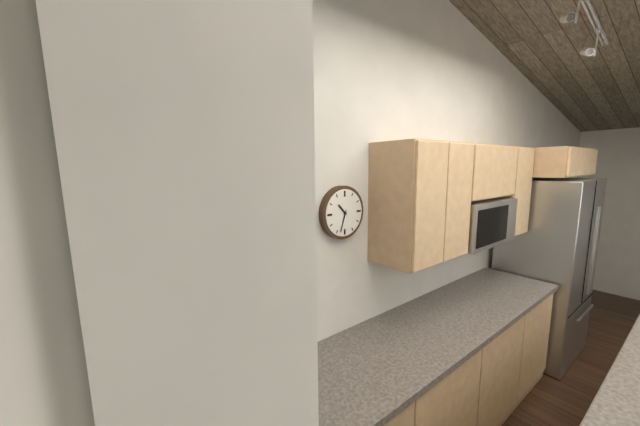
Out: h=10 m=33
